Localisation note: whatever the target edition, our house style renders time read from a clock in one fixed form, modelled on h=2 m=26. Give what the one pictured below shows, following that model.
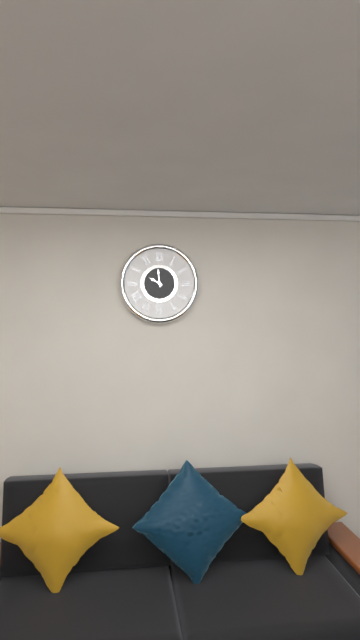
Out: h=9 m=59
